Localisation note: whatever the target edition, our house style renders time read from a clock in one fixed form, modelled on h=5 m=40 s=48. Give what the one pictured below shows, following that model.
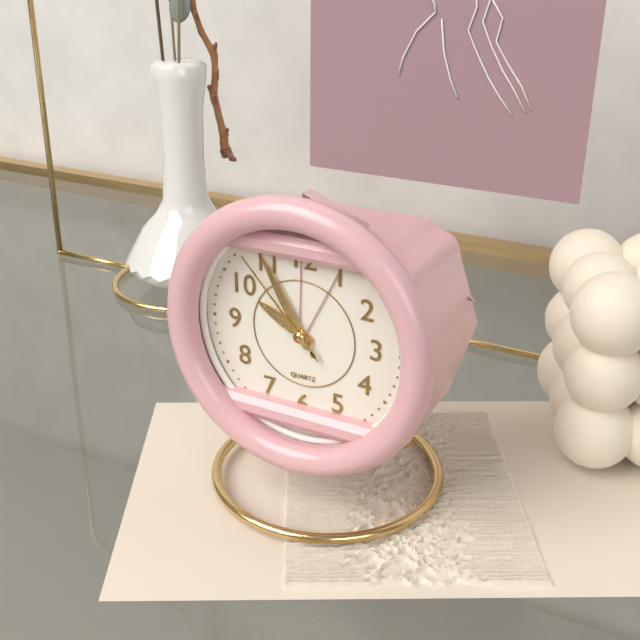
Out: h=9 m=55 s=53
